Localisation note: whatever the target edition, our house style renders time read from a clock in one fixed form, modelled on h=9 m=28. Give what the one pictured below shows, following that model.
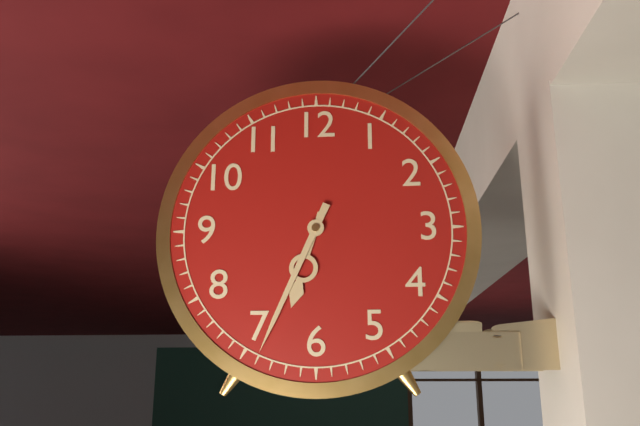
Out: h=6 m=34
